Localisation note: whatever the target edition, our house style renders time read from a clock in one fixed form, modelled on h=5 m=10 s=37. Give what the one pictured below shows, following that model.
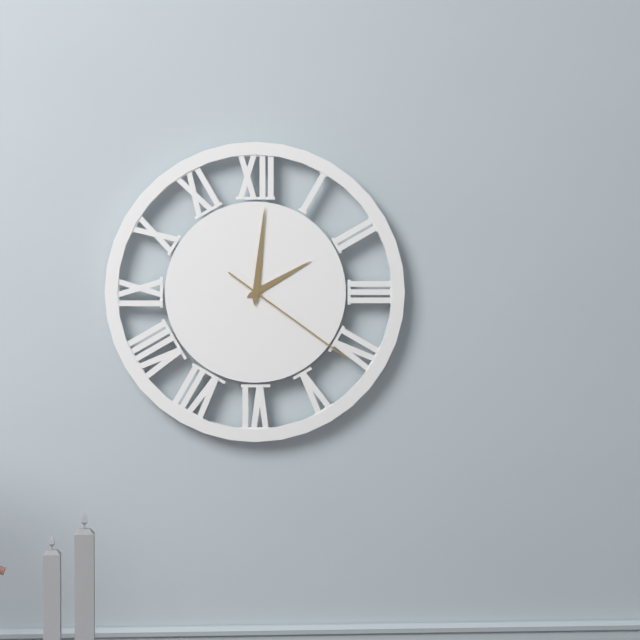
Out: h=2 m=1 s=21
